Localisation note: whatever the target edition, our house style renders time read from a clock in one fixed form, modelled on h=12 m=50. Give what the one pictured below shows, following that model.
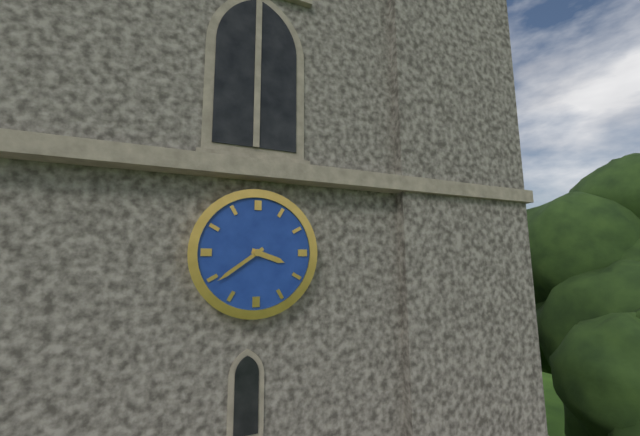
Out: h=3 m=39
